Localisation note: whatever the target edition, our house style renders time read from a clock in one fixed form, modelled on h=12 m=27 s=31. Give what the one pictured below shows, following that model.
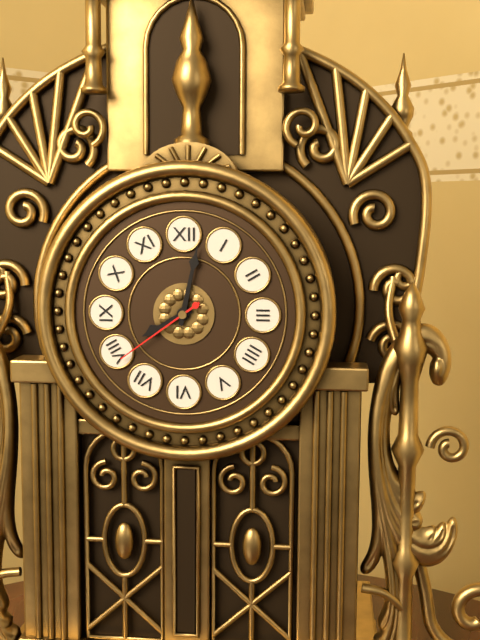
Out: h=8 m=2 s=39
